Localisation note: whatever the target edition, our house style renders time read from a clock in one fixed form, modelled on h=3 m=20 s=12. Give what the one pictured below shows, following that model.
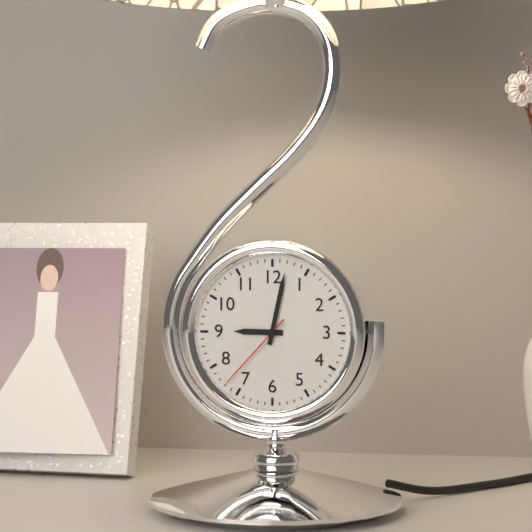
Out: h=9 m=2 s=37
